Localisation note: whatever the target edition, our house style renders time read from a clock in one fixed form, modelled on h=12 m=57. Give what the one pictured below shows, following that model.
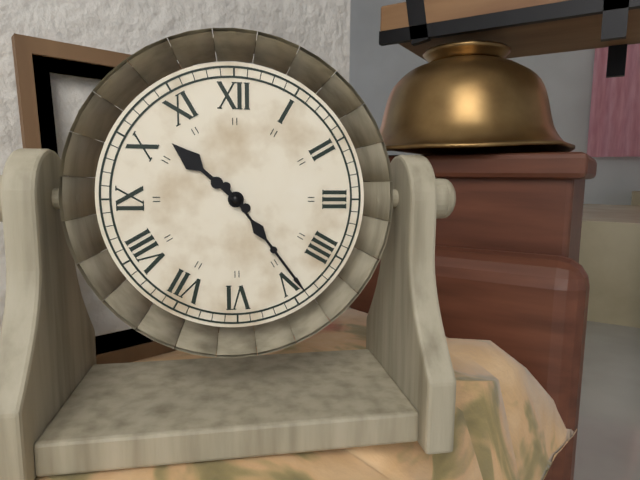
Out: h=10 m=24
